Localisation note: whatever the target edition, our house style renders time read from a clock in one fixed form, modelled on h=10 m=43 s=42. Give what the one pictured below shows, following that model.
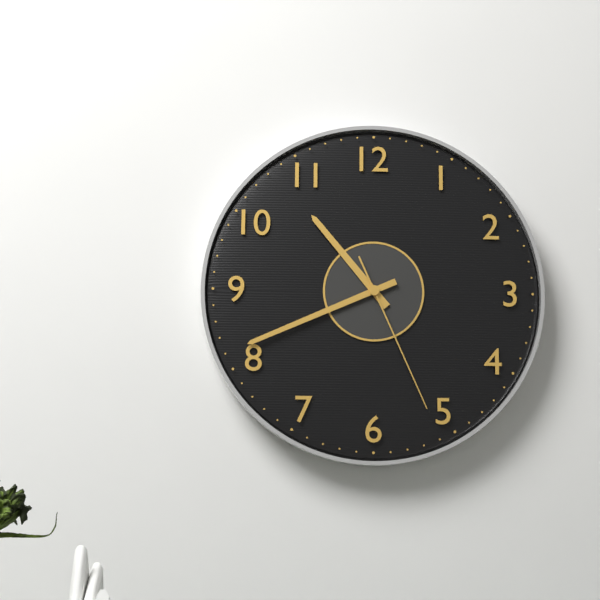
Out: h=10 m=41 s=26
